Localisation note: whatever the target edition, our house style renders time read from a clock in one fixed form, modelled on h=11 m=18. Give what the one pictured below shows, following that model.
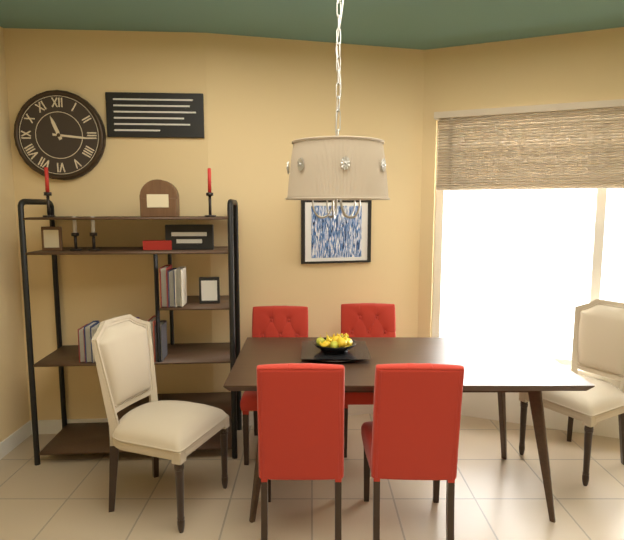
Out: h=11 m=16
